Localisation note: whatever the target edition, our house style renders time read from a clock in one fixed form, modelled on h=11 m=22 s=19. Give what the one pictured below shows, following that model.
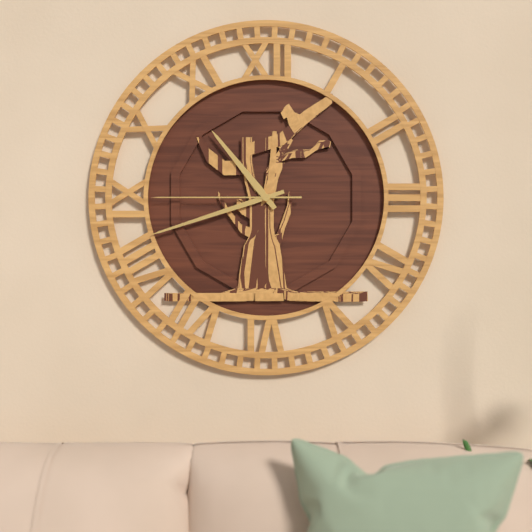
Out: h=10 m=42 s=45
